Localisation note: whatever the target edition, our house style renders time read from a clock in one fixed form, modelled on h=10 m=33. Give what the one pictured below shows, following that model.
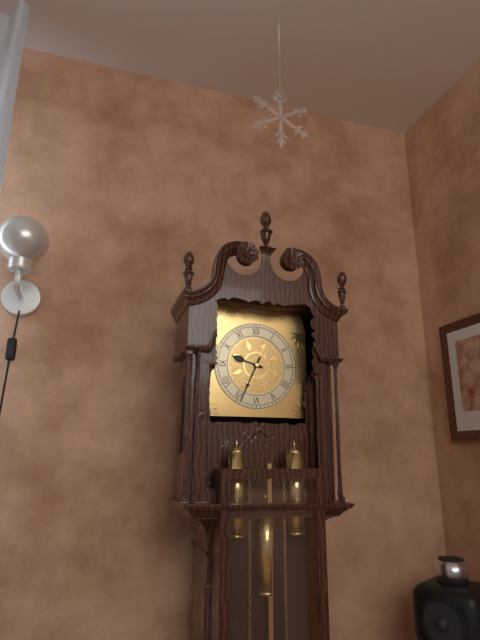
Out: h=9 m=34
